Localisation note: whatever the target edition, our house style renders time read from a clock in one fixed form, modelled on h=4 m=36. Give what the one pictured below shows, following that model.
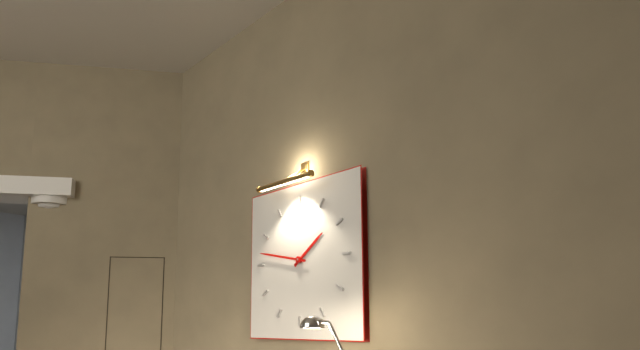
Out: h=1 m=47
